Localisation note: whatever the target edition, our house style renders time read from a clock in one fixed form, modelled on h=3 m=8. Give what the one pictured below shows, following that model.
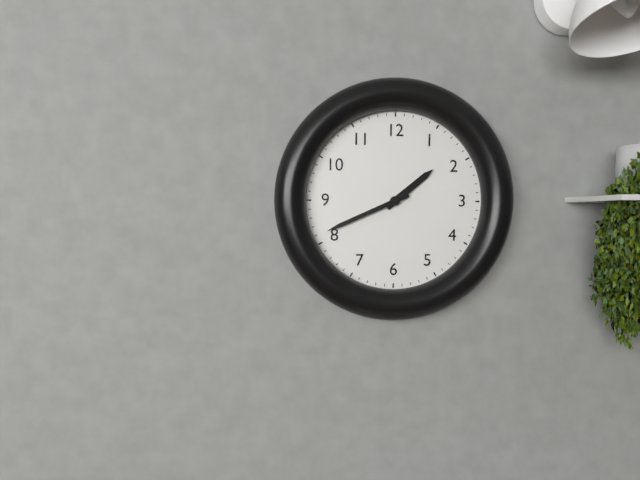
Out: h=1 m=41
